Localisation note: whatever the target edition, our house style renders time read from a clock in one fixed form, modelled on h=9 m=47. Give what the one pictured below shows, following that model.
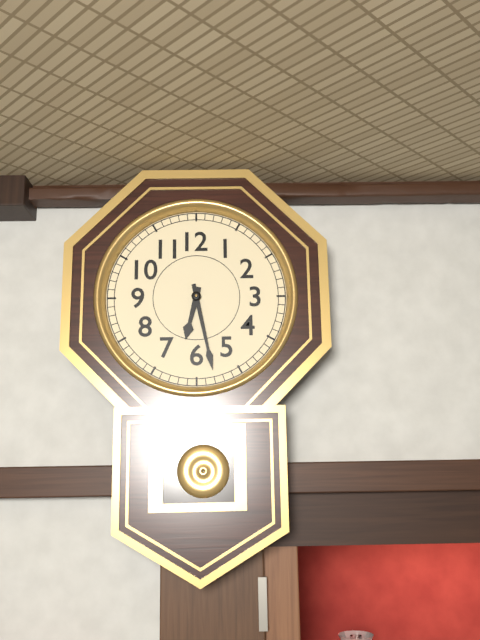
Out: h=6 m=28
